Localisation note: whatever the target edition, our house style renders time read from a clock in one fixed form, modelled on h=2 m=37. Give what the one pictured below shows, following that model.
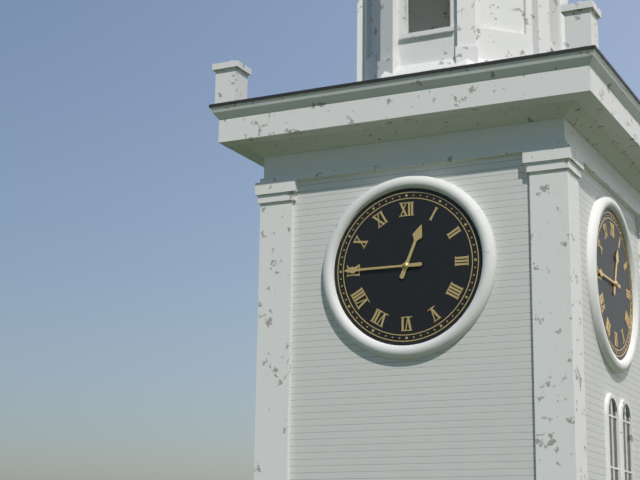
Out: h=12 m=45
